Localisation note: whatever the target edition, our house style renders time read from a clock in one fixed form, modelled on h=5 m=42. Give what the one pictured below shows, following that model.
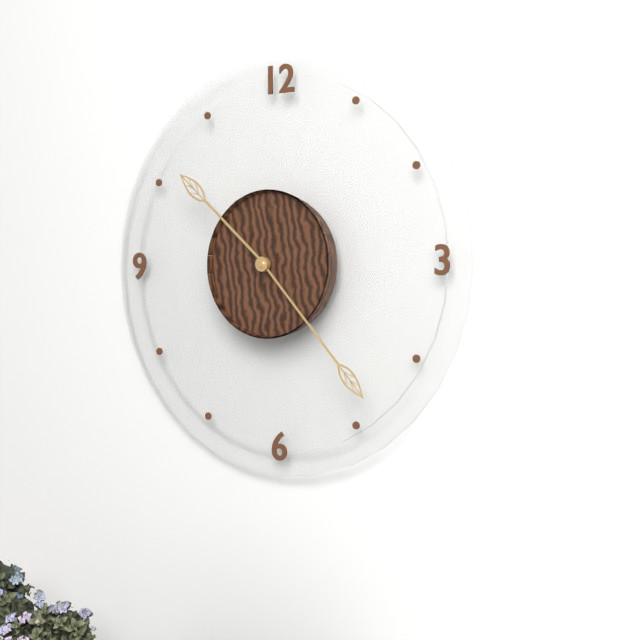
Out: h=10 m=23
